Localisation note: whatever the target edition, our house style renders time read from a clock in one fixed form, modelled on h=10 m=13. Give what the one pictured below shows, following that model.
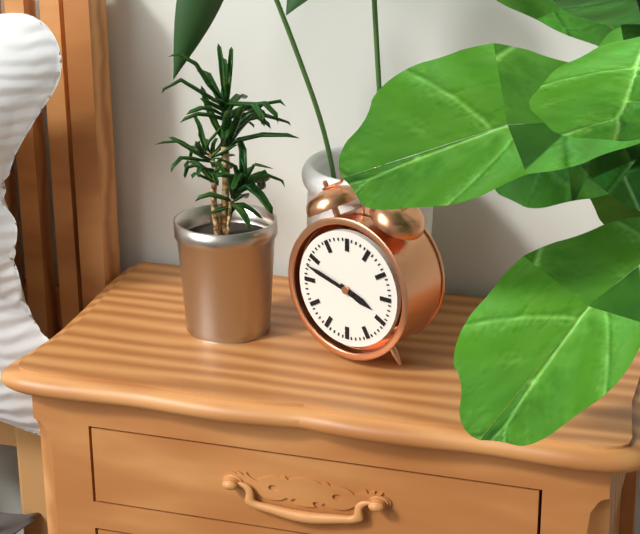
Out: h=3 m=48
